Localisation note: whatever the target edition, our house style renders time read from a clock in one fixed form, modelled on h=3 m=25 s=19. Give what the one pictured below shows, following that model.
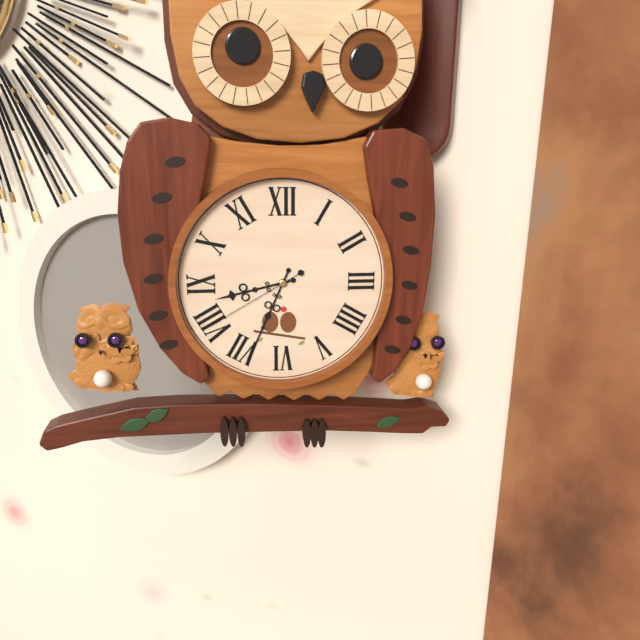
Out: h=8 m=34 s=40
